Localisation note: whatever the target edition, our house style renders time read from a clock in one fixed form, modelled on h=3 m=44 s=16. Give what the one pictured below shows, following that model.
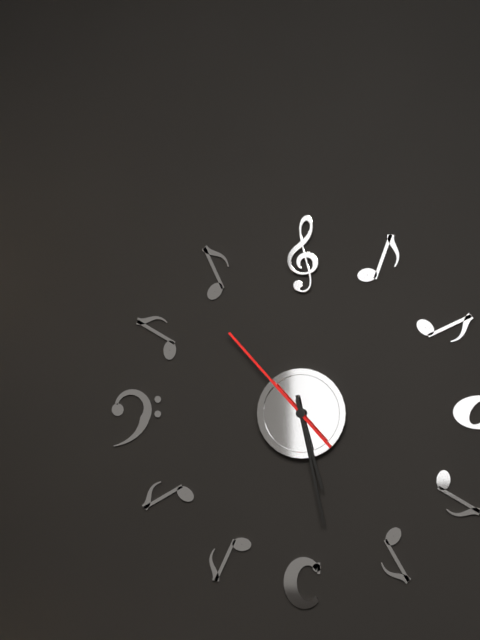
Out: h=5 m=28 s=53
